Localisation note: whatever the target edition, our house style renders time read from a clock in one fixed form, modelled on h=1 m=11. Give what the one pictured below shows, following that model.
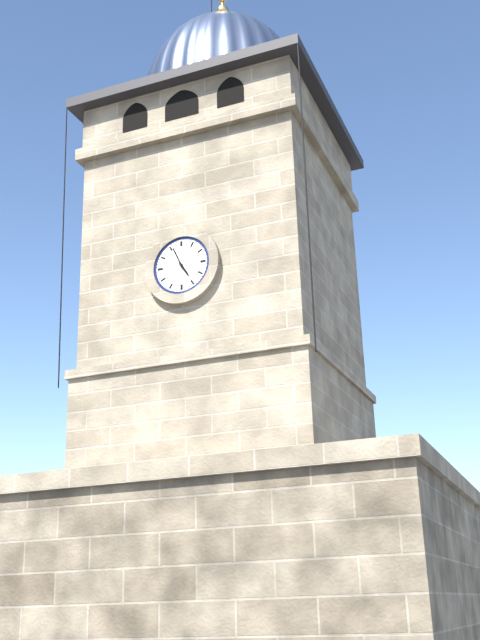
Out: h=4 m=56
